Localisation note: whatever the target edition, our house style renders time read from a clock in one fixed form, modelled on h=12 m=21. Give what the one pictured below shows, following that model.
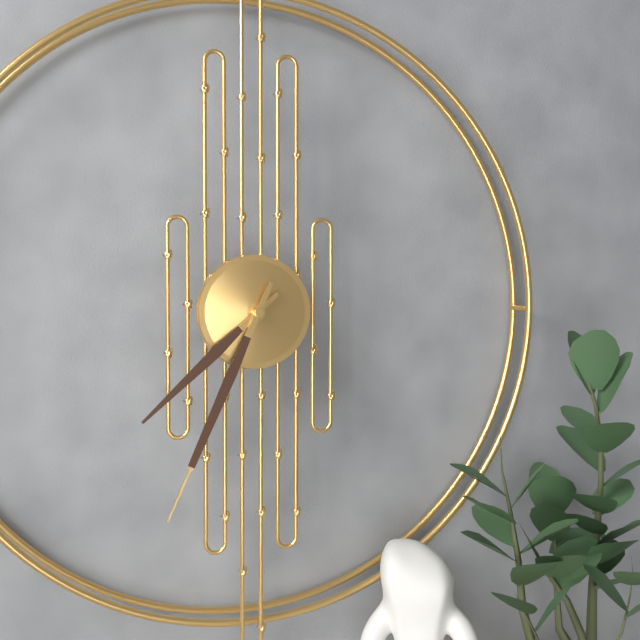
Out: h=7 m=34
